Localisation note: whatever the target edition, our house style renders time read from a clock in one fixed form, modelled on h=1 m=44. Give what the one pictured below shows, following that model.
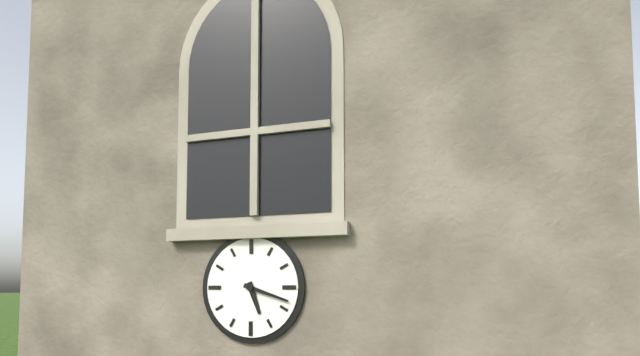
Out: h=5 m=18
